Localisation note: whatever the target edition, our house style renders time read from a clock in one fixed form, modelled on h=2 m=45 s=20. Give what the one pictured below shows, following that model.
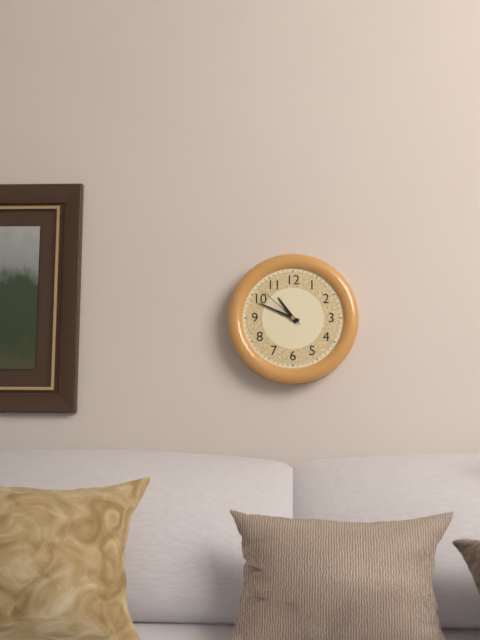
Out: h=10 m=49 s=52
